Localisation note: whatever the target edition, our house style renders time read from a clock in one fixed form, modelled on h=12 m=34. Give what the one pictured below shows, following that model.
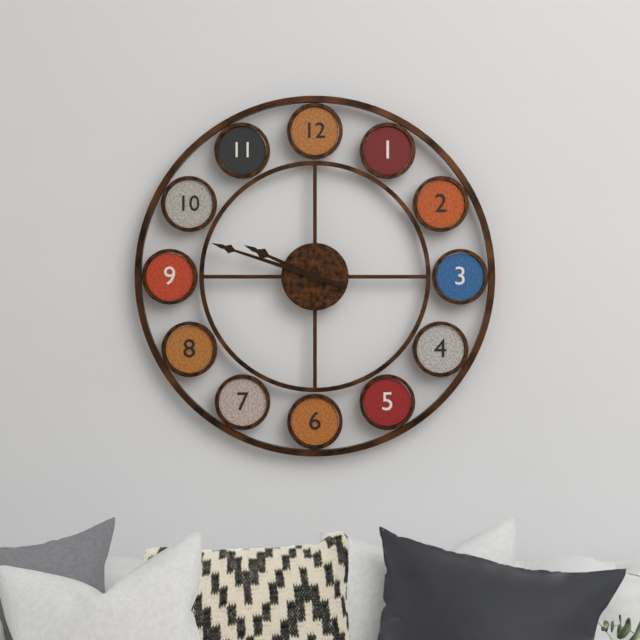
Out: h=9 m=48
